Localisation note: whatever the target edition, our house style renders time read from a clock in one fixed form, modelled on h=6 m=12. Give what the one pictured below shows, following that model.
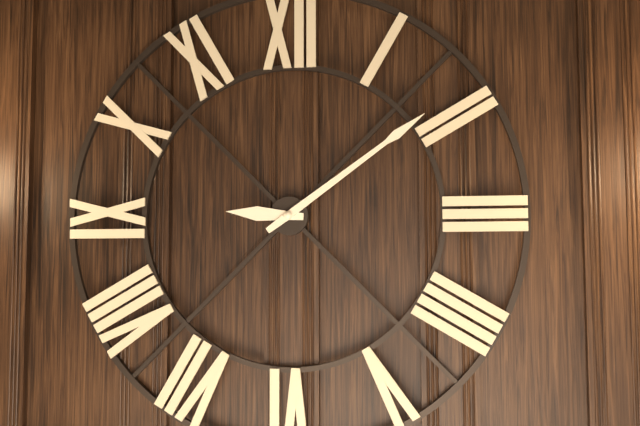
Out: h=9 m=9
